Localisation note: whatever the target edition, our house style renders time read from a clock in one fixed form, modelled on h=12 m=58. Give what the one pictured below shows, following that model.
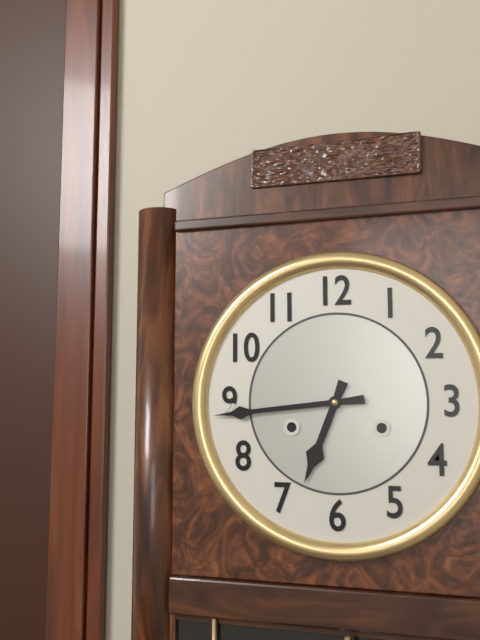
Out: h=6 m=44
